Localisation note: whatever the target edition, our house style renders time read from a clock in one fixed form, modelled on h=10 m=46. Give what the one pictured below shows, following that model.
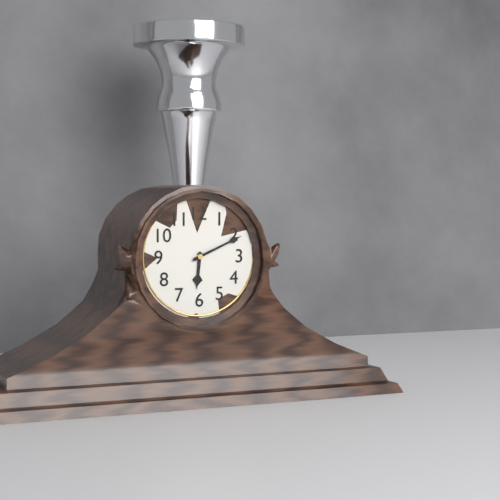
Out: h=6 m=11
